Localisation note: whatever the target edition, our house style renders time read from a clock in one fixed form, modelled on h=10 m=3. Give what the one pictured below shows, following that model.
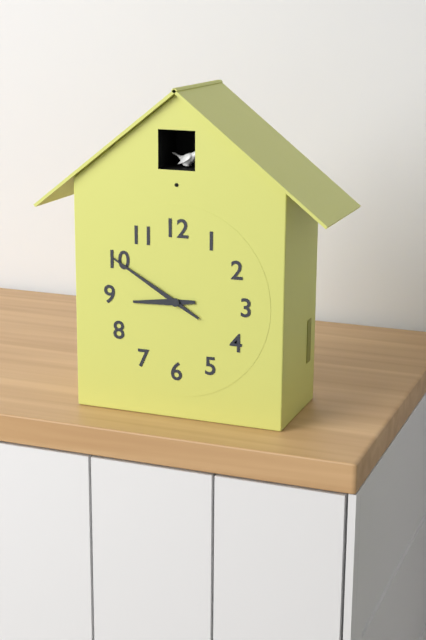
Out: h=8 m=50
